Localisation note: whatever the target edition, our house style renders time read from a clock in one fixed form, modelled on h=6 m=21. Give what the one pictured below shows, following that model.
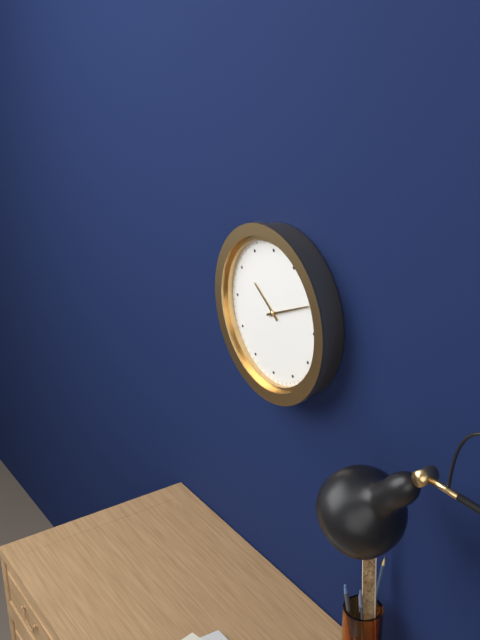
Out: h=10 m=11
